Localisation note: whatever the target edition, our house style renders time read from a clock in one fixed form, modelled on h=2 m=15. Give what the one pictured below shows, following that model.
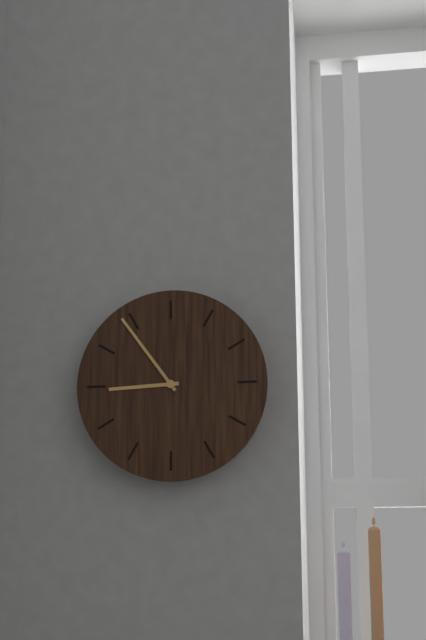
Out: h=8 m=54
